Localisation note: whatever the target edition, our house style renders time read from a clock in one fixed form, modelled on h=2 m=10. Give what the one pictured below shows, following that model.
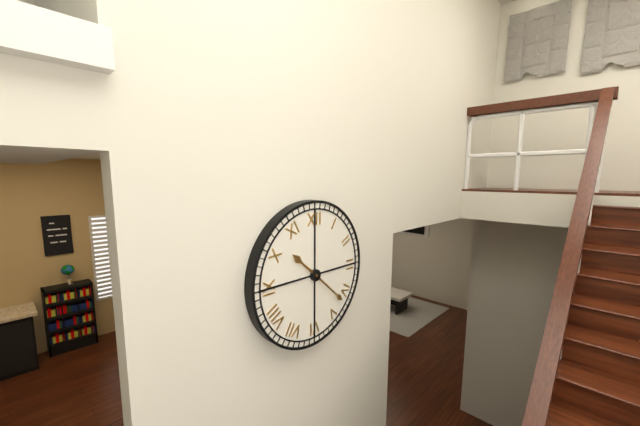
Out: h=10 m=22
